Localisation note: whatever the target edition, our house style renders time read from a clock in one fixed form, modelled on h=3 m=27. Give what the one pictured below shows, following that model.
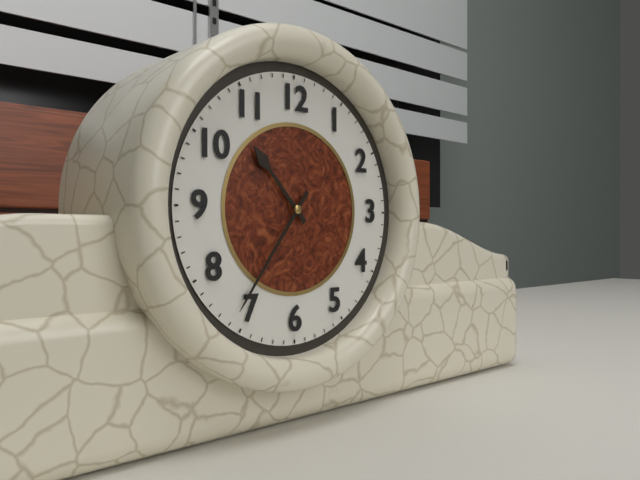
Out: h=10 m=36
